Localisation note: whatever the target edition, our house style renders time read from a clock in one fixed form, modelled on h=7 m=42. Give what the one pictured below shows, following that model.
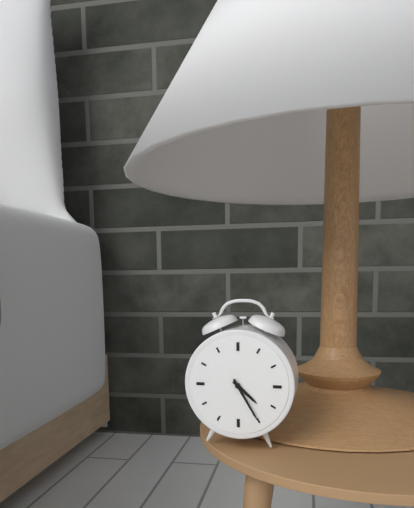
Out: h=4 m=25
